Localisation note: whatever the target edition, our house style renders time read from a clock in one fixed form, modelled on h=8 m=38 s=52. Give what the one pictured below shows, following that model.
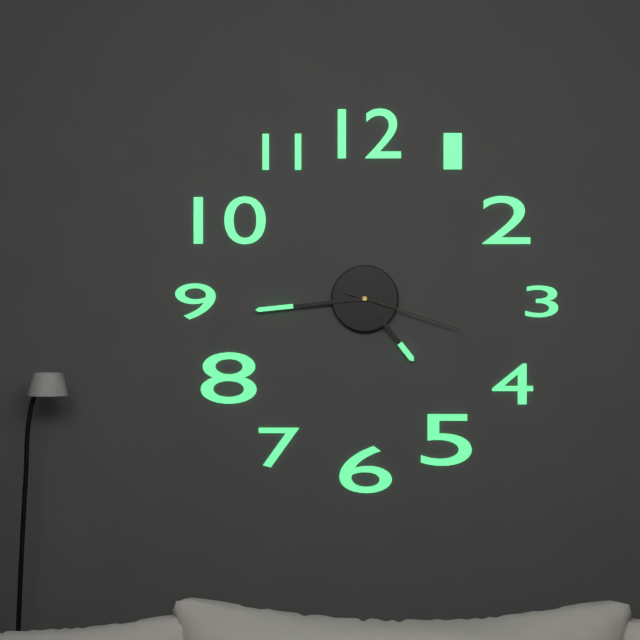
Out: h=4 m=44 s=18
